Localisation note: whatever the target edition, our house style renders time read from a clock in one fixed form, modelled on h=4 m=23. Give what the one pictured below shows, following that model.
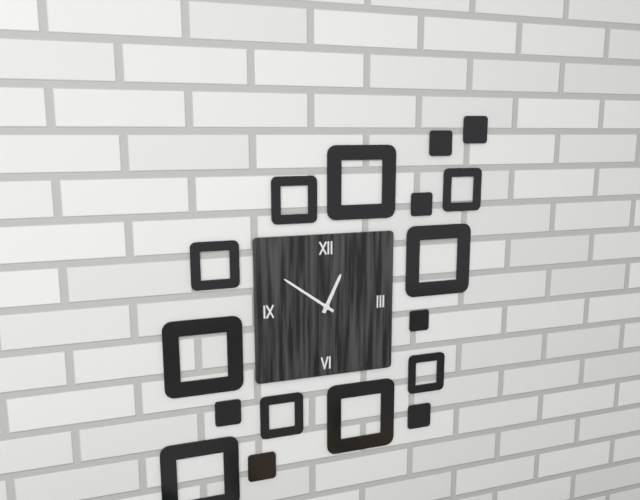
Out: h=12 m=51
